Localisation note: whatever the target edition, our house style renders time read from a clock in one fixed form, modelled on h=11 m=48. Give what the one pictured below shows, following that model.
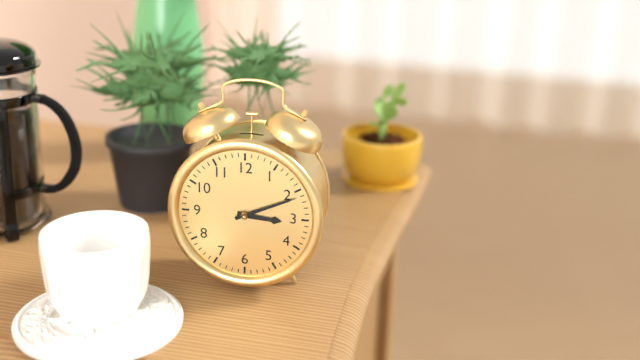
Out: h=3 m=11
